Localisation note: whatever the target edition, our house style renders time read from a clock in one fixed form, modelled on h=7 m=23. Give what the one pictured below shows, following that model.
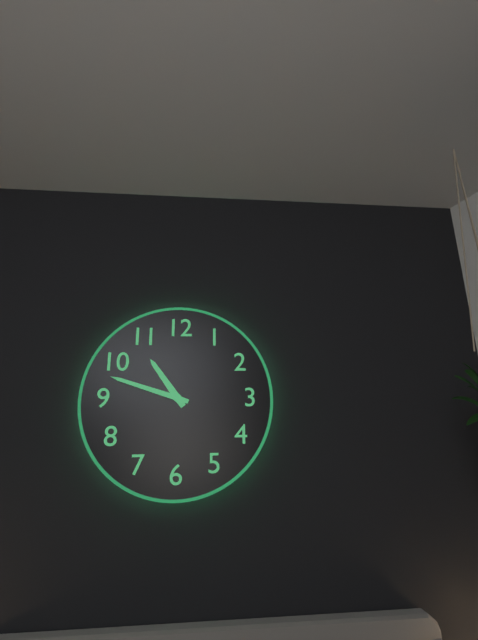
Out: h=10 m=48
